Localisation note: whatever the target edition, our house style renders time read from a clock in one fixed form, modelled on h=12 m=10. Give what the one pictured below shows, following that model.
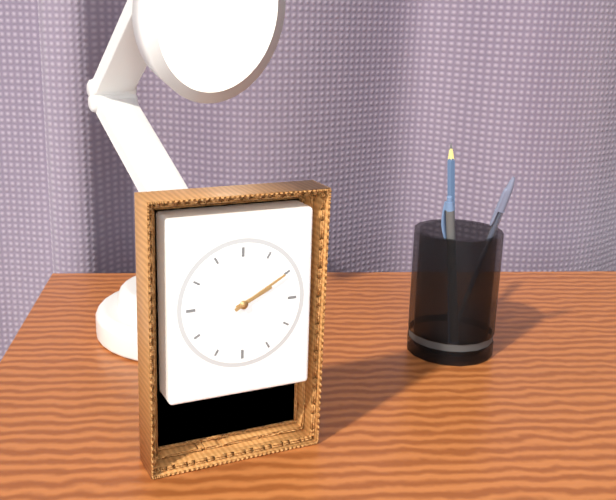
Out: h=2 m=10
